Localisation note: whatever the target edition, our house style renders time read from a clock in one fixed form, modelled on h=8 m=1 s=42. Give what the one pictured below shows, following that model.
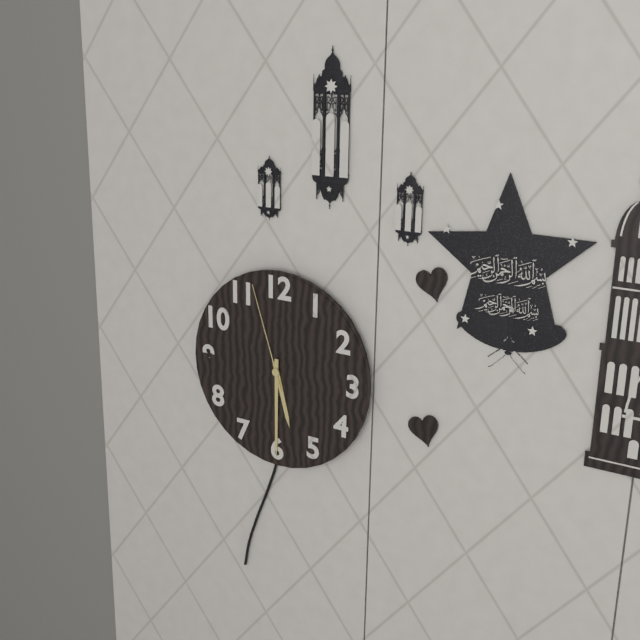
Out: h=5 m=30 s=57
